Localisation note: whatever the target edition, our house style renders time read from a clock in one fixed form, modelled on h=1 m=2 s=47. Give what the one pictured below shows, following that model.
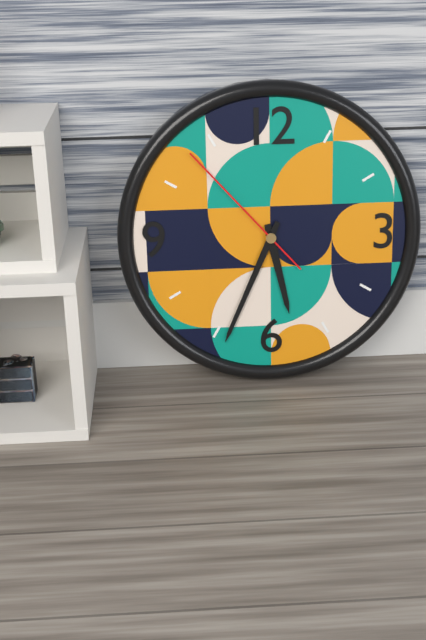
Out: h=5 m=34 s=53
